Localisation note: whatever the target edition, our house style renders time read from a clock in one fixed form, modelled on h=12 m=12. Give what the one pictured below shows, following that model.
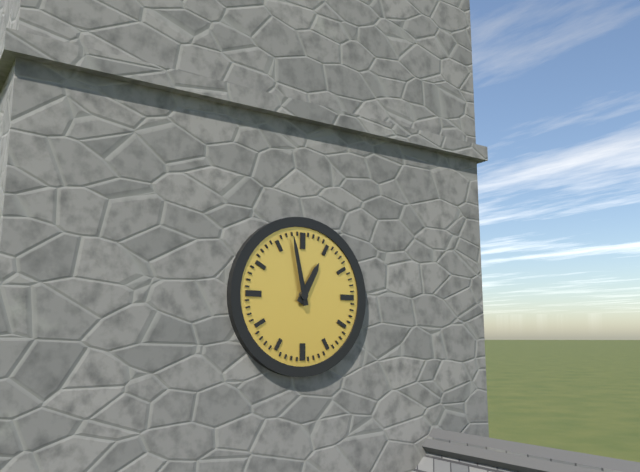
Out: h=12 m=58
